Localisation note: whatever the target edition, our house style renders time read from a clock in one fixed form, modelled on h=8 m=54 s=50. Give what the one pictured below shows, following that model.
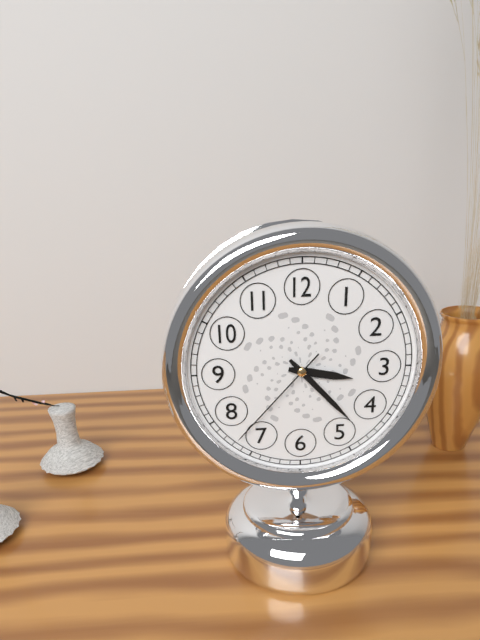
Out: h=3 m=23 s=37
